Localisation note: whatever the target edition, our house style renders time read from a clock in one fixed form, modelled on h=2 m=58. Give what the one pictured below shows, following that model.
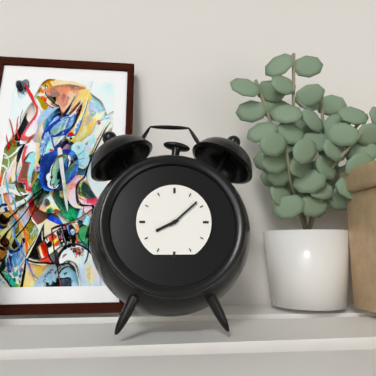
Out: h=8 m=8
